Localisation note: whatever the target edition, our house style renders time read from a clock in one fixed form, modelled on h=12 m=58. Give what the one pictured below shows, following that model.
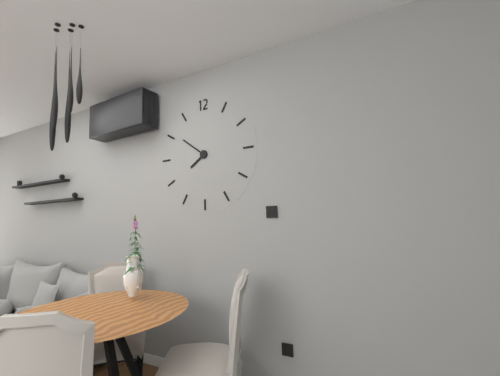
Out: h=7 m=51
